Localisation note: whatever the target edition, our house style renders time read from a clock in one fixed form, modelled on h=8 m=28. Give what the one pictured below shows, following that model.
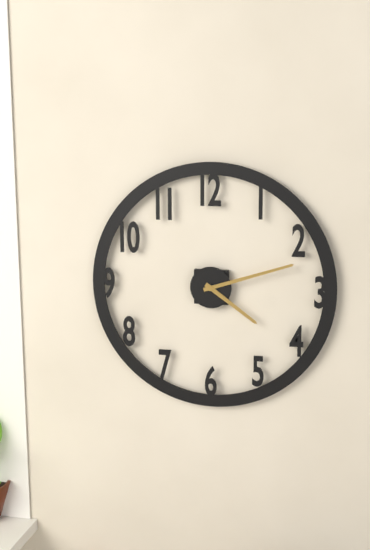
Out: h=4 m=12
